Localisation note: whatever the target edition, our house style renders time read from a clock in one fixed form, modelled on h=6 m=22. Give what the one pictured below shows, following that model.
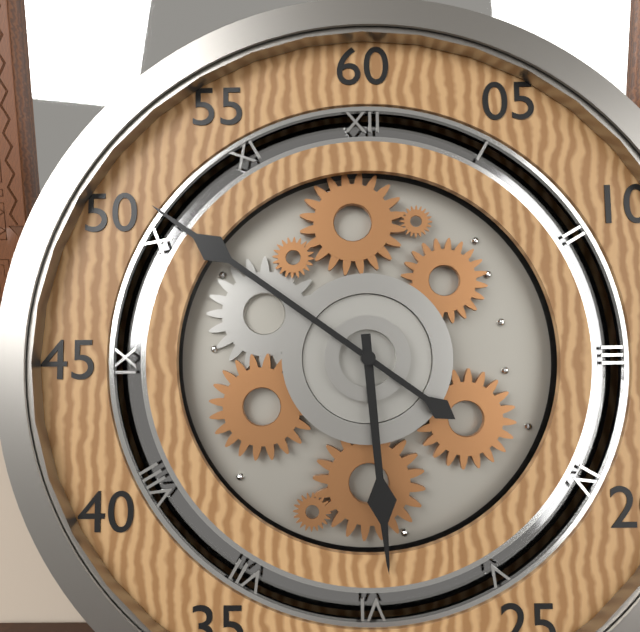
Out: h=5 m=51
